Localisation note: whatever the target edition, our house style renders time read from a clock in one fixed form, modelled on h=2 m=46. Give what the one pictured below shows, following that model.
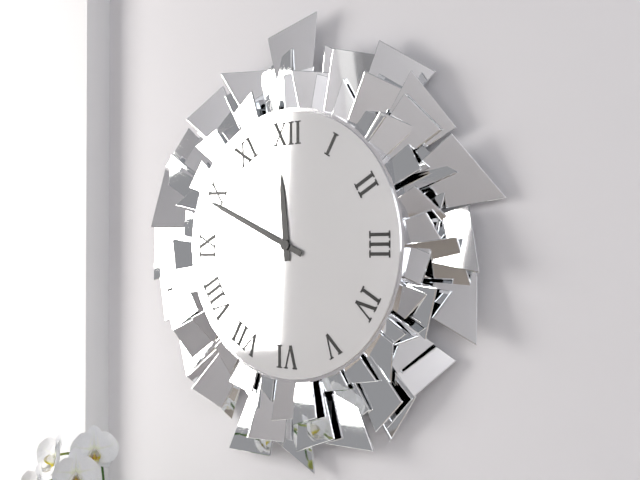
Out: h=11 m=49
